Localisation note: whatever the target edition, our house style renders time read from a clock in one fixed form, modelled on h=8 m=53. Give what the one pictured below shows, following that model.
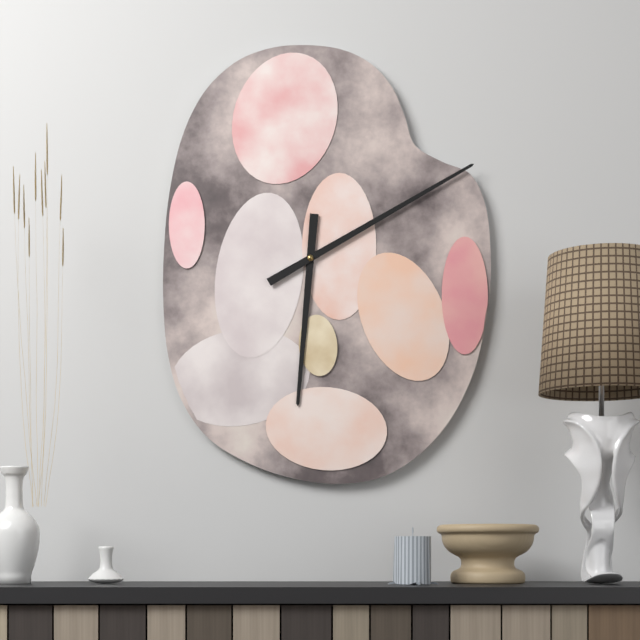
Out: h=6 m=10
